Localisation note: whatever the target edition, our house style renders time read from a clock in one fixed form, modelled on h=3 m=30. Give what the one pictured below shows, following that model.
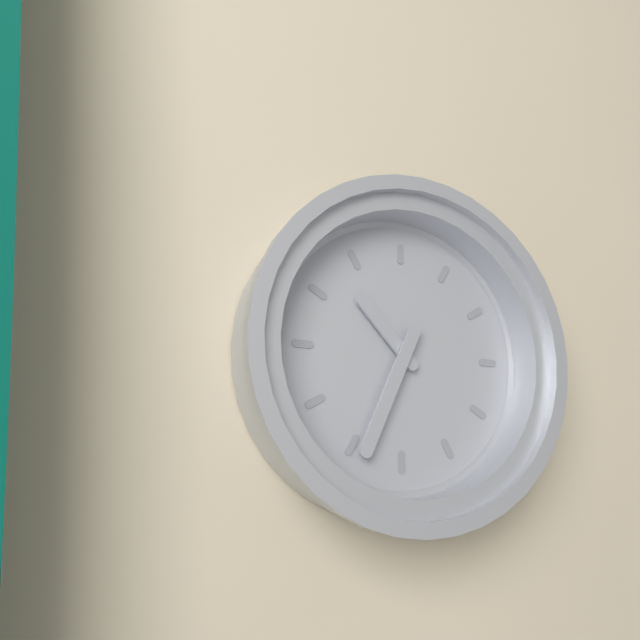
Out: h=10 m=34
